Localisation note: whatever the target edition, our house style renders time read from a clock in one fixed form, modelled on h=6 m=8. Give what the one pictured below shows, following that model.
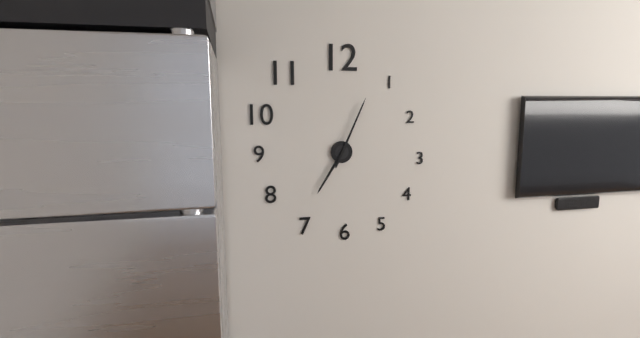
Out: h=7 m=4
